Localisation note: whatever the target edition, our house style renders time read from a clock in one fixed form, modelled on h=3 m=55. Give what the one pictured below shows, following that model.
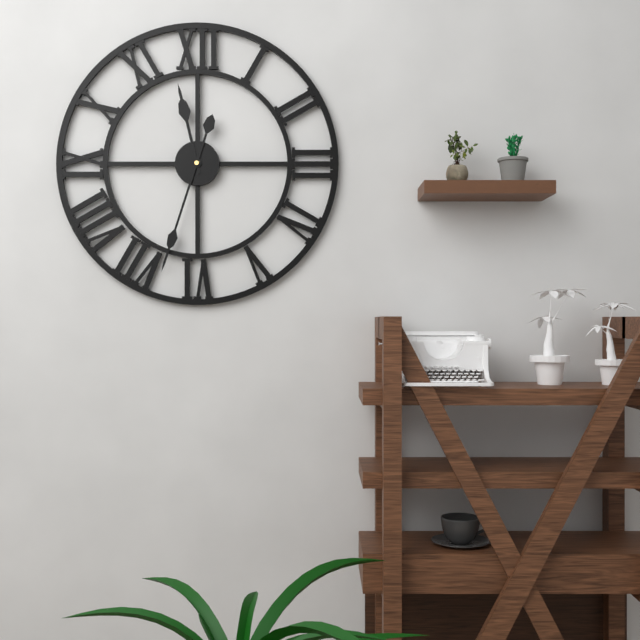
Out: h=11 m=33
